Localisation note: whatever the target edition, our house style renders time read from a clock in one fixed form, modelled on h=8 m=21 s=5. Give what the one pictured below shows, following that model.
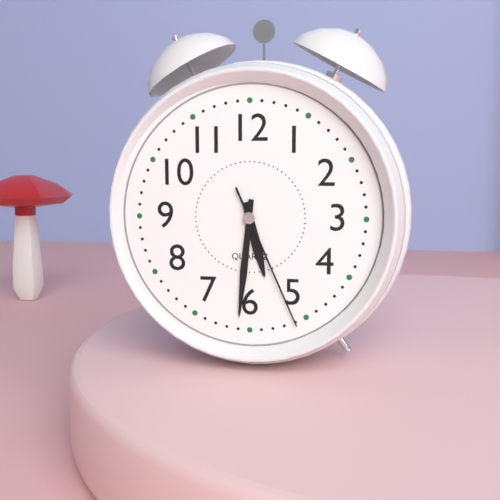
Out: h=5 m=31 s=26
